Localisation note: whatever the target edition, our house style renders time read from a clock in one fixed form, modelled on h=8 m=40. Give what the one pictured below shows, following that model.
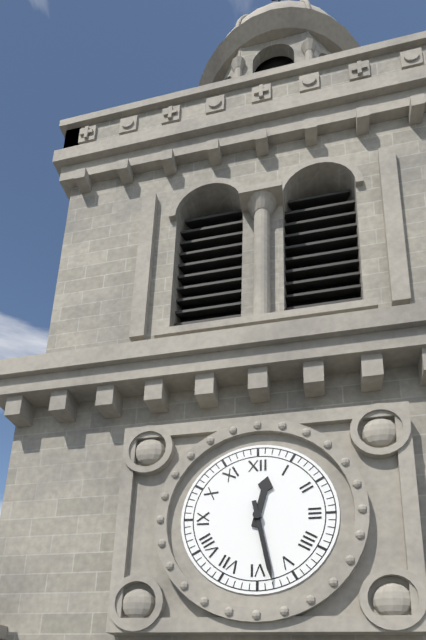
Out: h=12 m=28
